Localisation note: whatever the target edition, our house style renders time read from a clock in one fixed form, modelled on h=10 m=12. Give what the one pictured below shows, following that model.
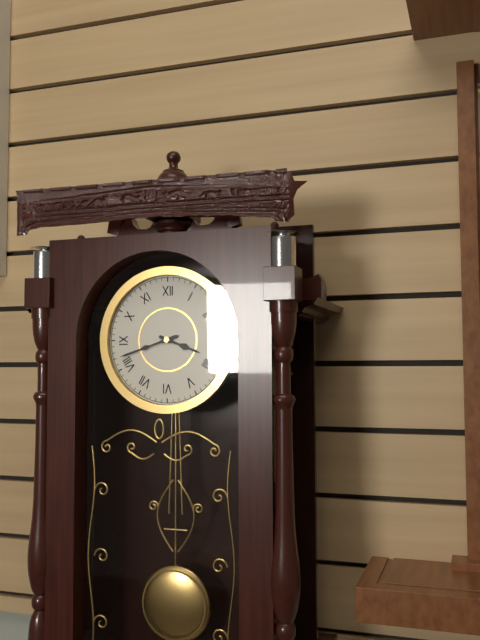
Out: h=3 m=42
